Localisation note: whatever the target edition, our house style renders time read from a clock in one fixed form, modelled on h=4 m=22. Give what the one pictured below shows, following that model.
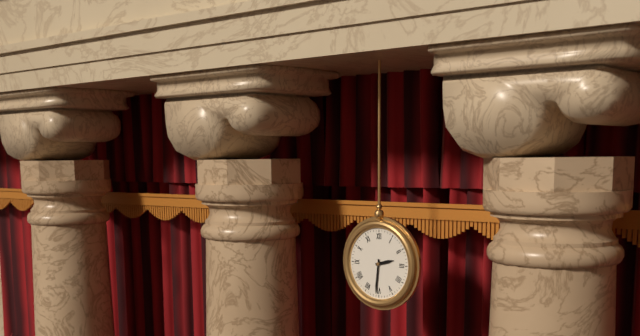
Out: h=2 m=31
